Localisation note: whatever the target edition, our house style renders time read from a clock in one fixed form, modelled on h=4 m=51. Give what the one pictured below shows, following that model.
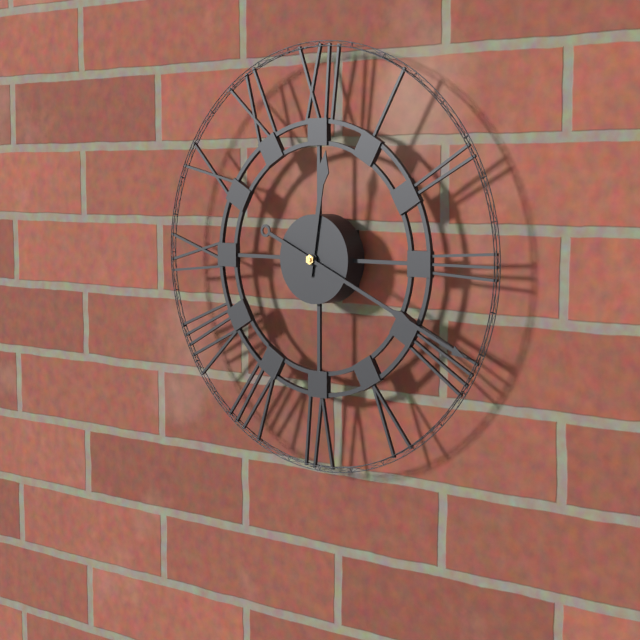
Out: h=12 m=19
